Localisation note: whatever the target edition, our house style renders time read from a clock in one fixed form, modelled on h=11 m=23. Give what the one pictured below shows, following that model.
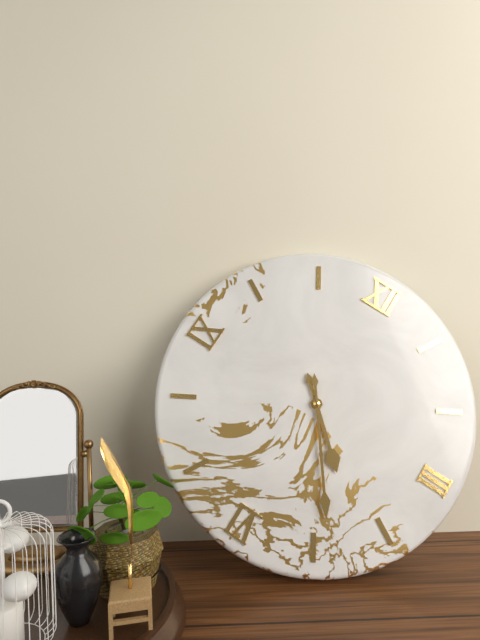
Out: h=4 m=24
